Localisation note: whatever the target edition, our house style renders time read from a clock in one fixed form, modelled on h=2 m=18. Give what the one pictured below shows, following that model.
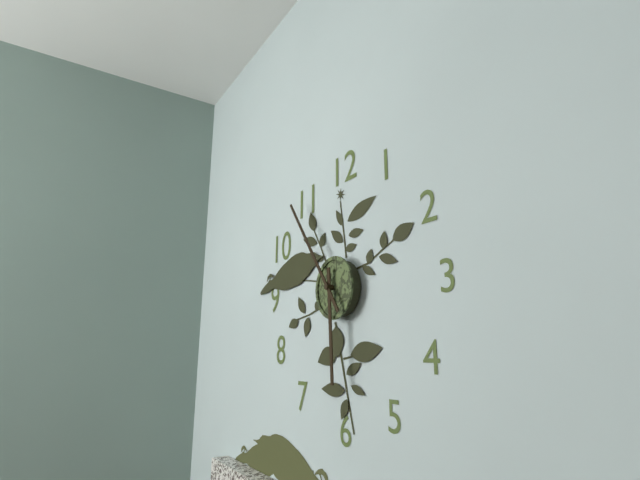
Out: h=5 m=54
